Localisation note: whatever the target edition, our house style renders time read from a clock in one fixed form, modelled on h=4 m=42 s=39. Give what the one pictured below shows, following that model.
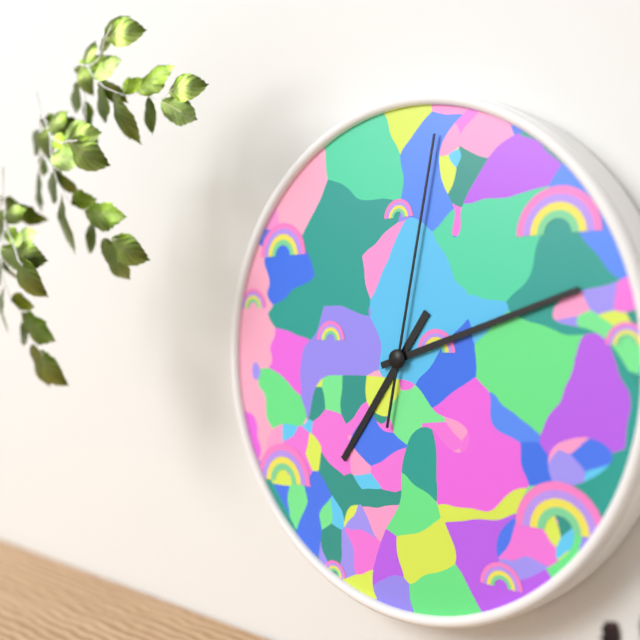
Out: h=7 m=12 s=2
